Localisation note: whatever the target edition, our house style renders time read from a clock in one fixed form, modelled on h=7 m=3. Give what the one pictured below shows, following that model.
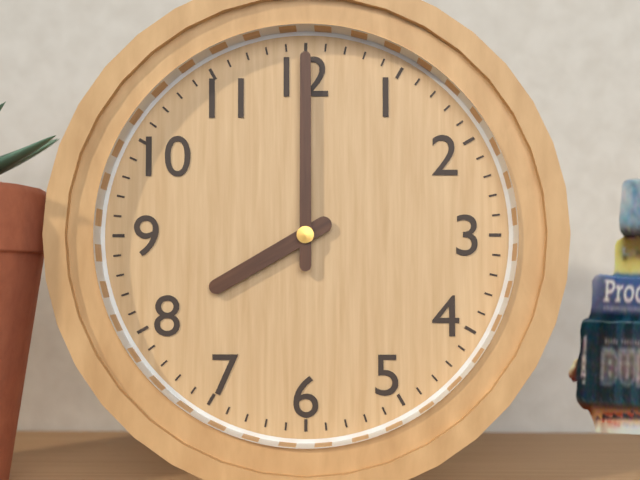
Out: h=8 m=0
